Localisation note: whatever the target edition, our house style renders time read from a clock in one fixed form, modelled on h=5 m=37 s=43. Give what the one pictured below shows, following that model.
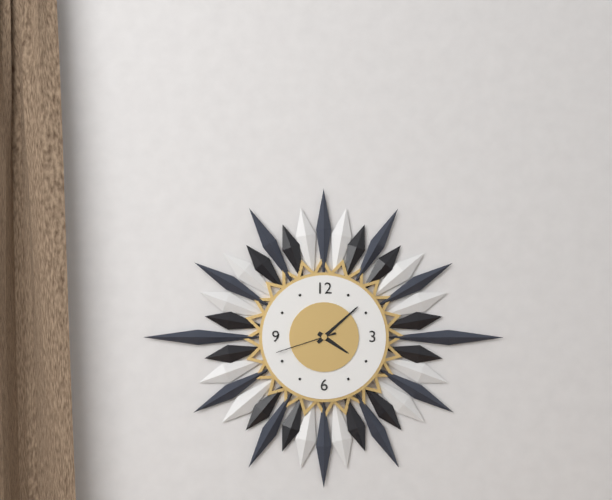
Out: h=4 m=8 s=42
